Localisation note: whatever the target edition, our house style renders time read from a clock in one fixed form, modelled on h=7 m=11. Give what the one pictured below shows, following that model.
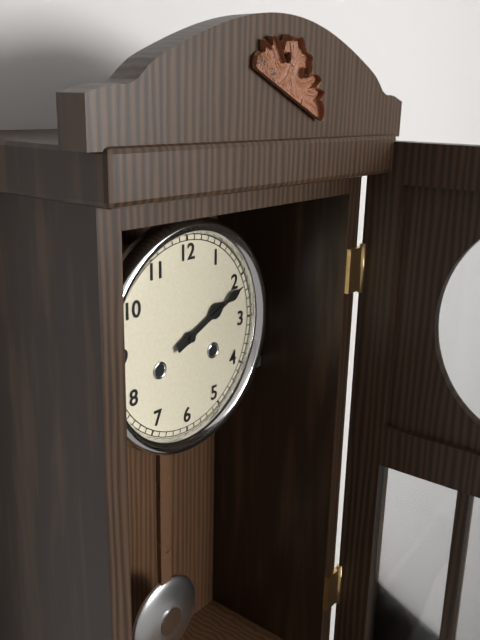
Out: h=2 m=11
